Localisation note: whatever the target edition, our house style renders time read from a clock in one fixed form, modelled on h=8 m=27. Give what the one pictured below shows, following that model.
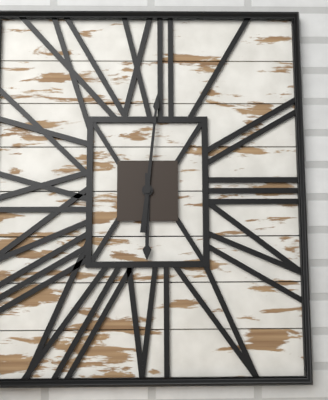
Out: h=6 m=1
